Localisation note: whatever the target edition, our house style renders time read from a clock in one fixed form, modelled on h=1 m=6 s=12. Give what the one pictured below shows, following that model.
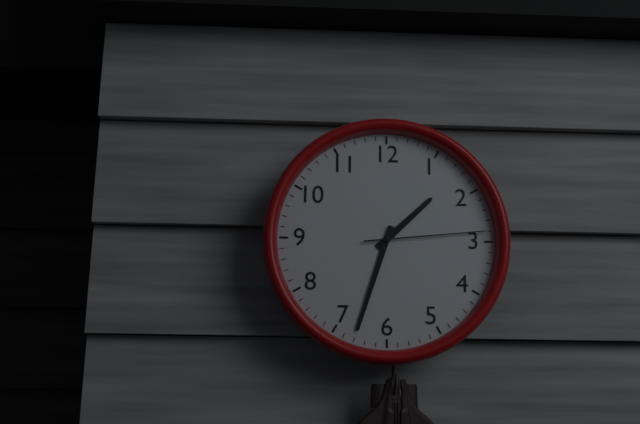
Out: h=1 m=33 s=14
